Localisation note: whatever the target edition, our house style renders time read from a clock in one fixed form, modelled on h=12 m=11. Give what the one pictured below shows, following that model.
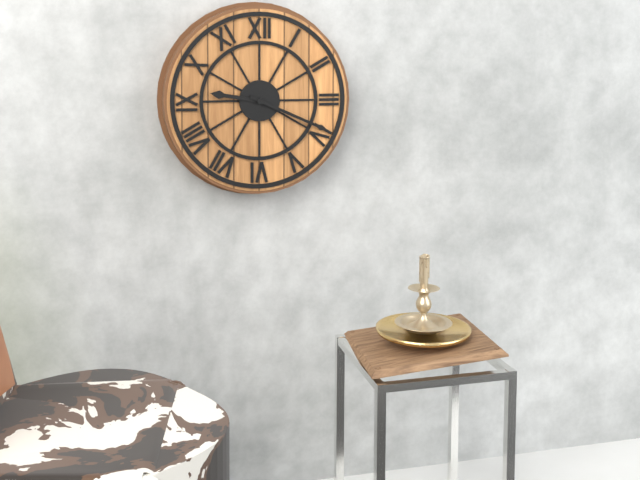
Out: h=9 m=19
